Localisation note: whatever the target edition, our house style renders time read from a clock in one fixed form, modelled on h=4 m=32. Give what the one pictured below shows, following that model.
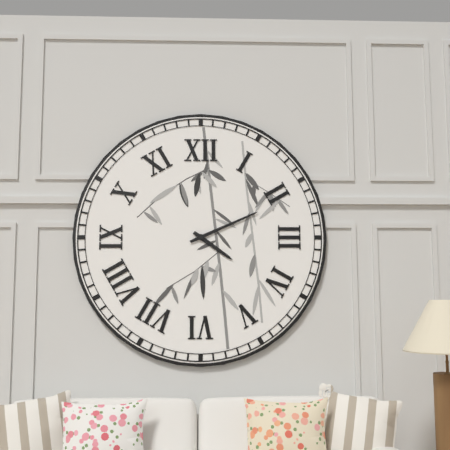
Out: h=4 m=11
